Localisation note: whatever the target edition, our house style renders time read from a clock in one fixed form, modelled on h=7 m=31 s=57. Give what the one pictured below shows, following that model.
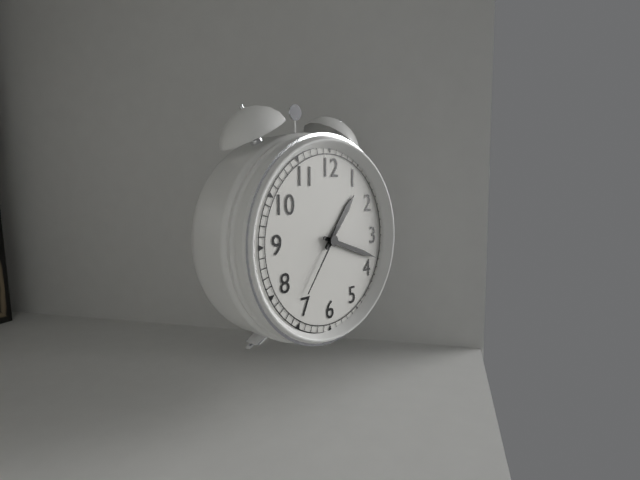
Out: h=1 m=18 s=36
